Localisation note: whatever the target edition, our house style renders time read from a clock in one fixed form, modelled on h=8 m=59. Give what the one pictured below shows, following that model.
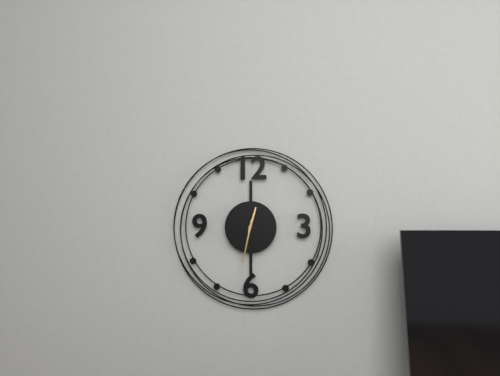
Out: h=12 m=32
